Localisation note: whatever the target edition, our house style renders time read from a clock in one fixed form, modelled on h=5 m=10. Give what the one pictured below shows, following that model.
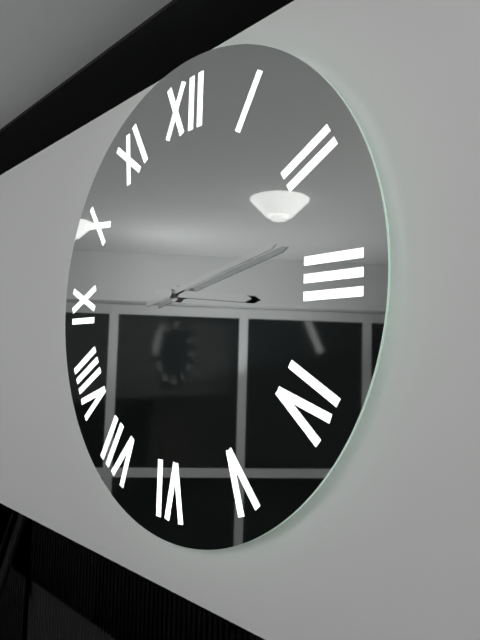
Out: h=3 m=13
